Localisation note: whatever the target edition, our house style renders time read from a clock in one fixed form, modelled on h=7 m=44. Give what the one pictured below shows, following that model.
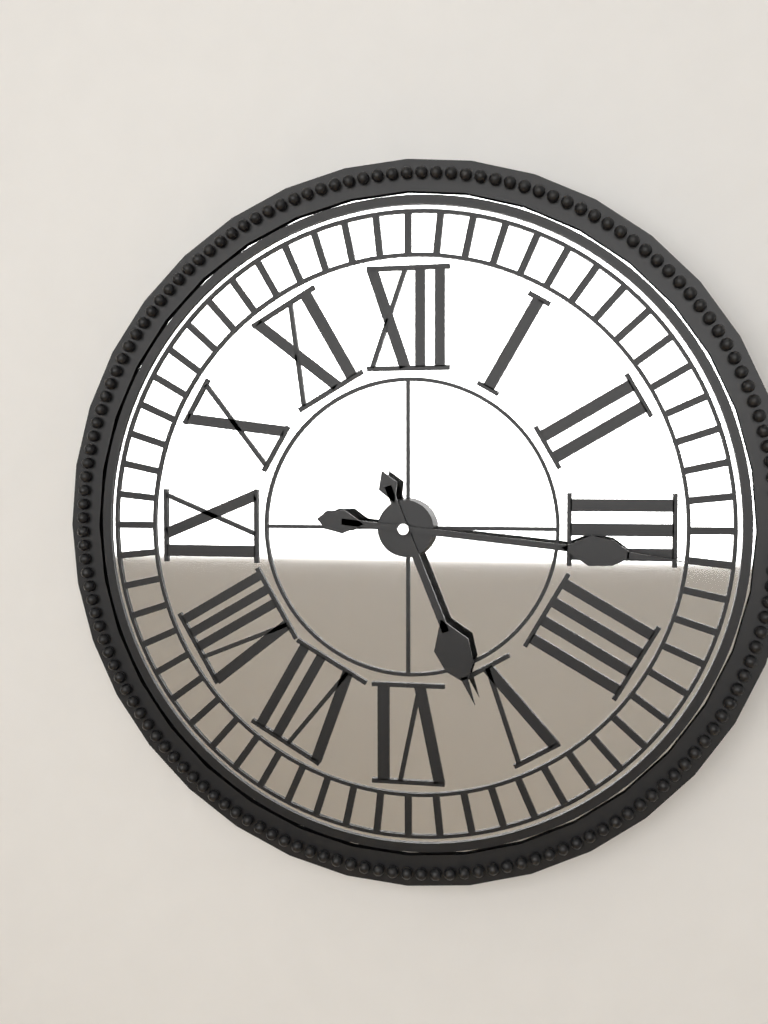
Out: h=5 m=16
